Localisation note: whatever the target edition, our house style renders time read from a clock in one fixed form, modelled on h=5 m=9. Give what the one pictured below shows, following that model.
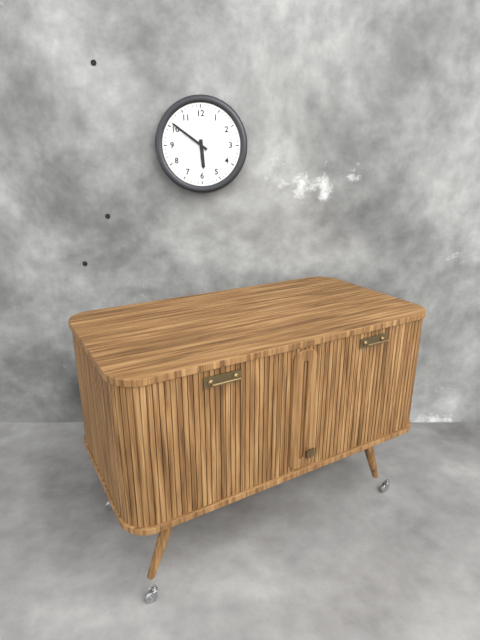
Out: h=5 m=51
